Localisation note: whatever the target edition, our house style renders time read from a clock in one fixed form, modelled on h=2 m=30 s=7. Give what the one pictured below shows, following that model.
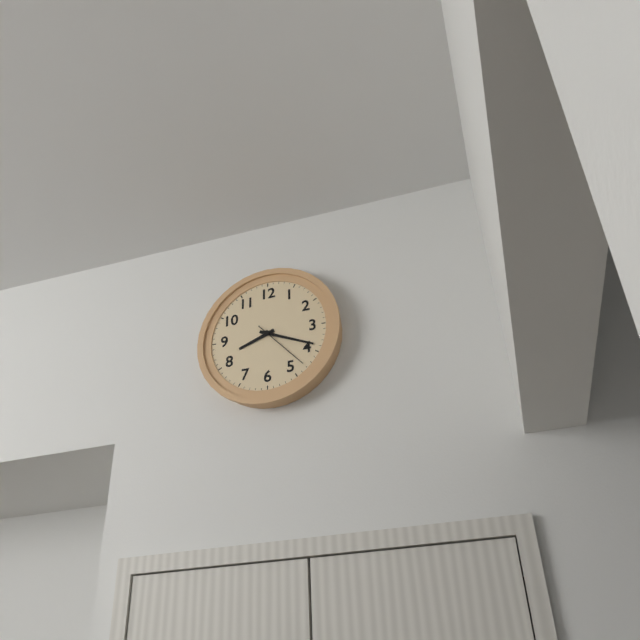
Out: h=8 m=19 s=23
